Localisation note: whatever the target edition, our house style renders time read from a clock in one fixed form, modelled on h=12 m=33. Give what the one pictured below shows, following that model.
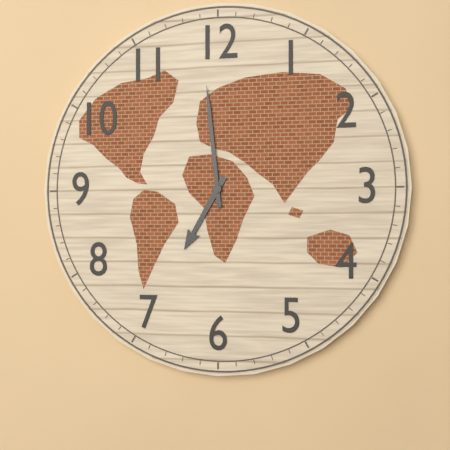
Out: h=6 m=59
